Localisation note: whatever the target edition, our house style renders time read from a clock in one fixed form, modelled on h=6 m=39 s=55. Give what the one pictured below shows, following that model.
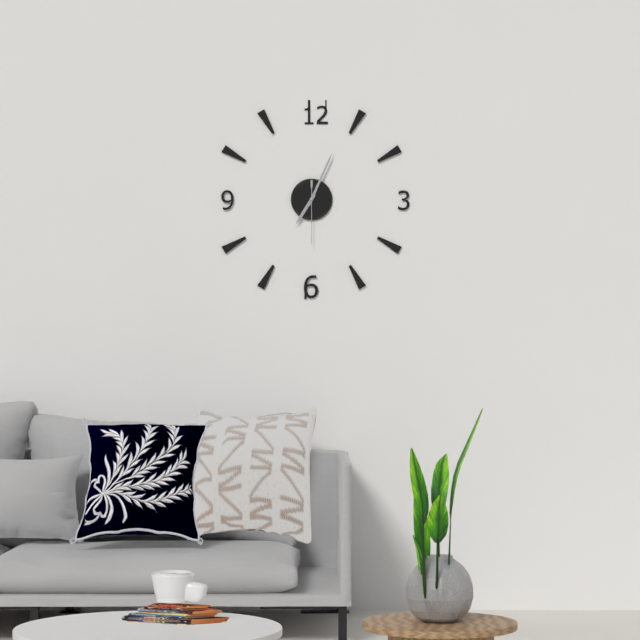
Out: h=7 m=4 s=30
